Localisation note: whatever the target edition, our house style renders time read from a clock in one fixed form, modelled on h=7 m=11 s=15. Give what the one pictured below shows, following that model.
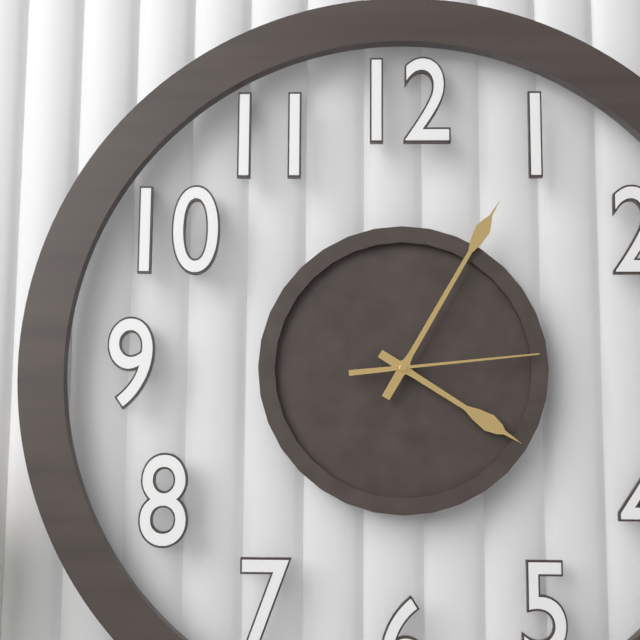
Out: h=4 m=5 s=14
